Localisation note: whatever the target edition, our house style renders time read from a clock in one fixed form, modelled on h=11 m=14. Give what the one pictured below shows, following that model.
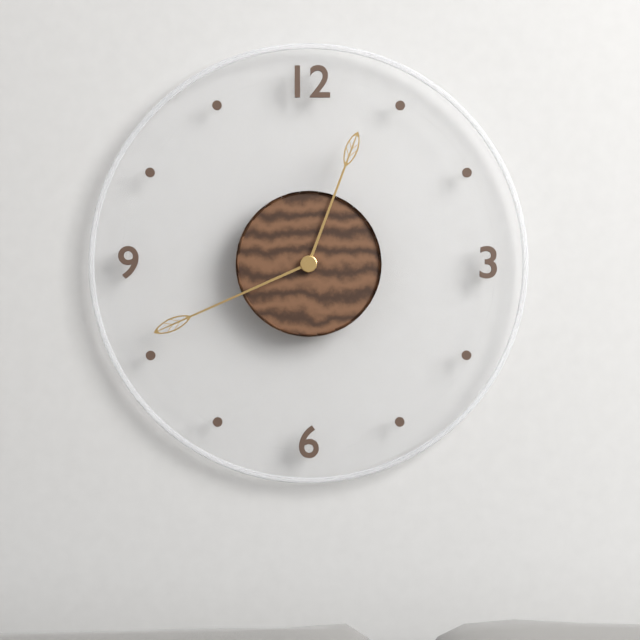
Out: h=12 m=41
